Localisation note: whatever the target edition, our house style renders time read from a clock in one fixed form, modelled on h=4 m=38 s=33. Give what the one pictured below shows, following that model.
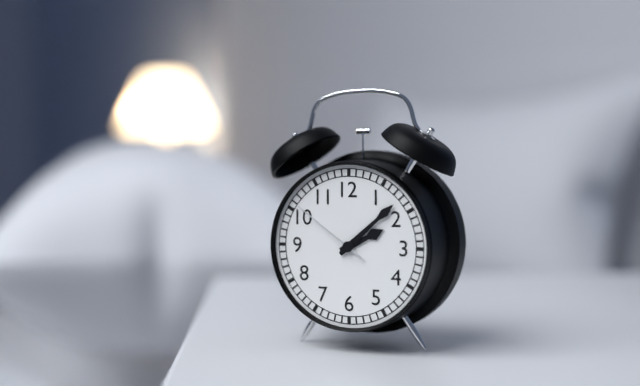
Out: h=2 m=8 s=51
